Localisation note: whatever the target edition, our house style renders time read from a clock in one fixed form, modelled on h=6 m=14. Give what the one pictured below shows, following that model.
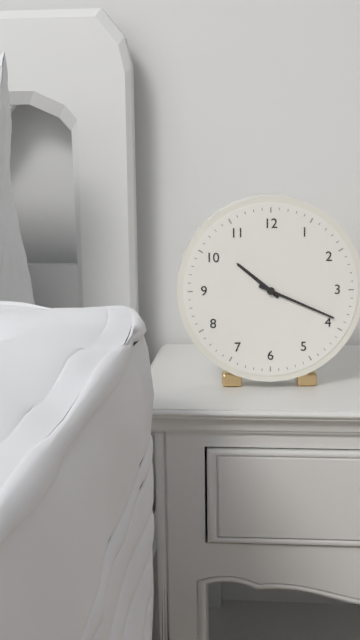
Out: h=10 m=19
